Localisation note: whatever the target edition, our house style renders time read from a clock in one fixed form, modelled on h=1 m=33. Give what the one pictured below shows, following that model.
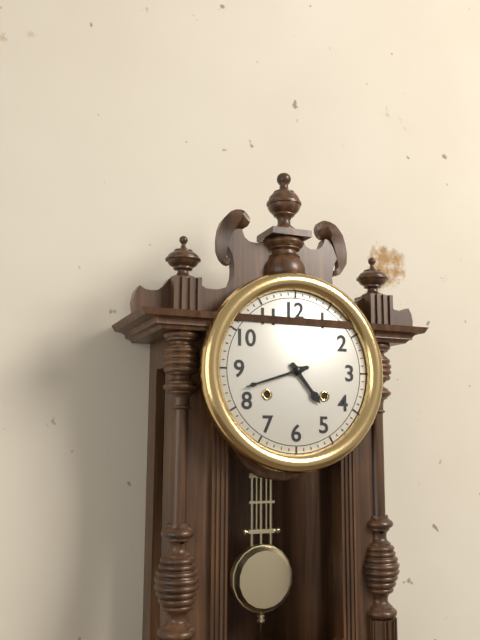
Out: h=4 m=42
